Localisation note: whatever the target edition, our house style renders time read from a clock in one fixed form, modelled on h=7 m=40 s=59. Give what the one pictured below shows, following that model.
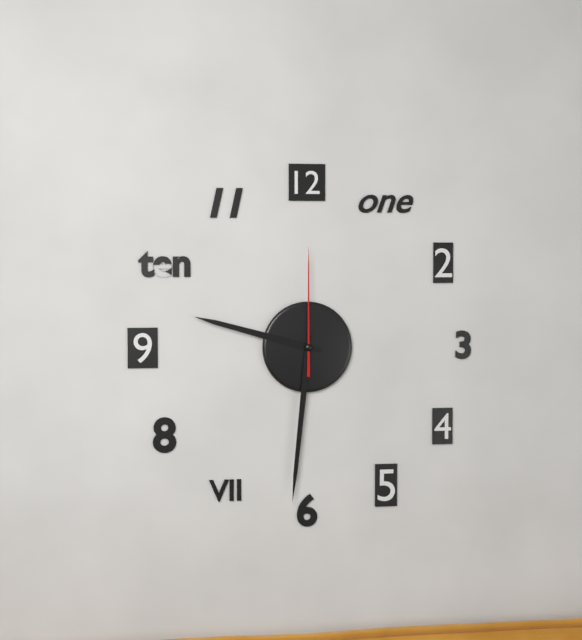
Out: h=9 m=31 s=0
